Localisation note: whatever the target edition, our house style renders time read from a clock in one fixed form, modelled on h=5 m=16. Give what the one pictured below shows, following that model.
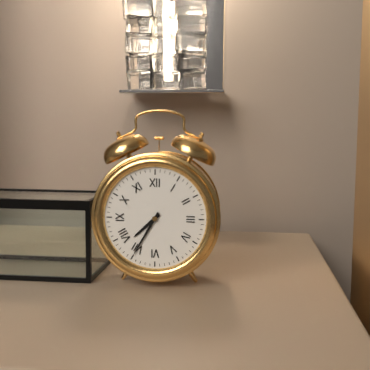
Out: h=7 m=35
